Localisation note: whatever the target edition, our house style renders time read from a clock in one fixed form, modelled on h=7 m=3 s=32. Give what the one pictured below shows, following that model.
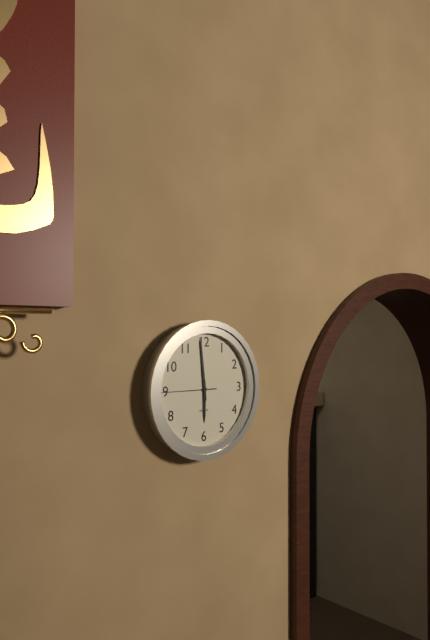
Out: h=5 m=59 s=45
